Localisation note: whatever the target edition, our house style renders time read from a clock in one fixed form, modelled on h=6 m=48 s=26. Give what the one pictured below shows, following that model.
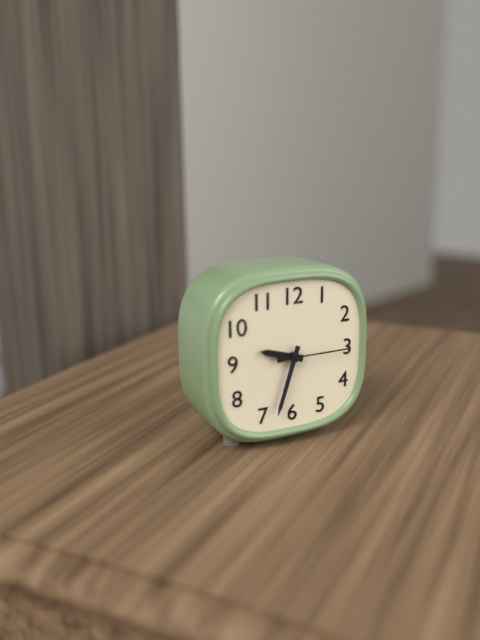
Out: h=9 m=33 s=15
